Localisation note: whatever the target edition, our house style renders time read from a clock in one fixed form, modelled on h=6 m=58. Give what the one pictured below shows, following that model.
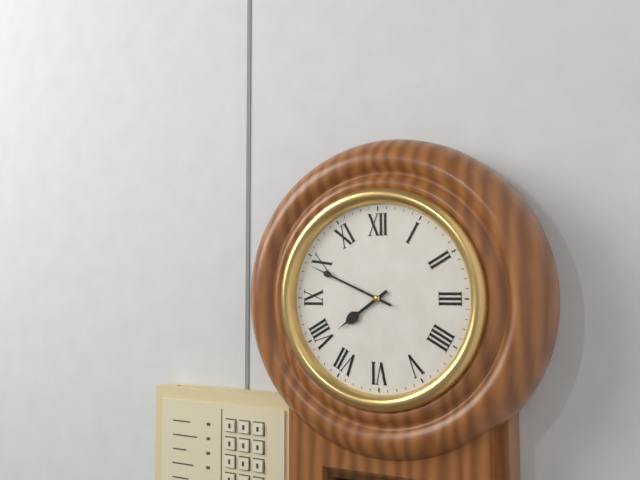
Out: h=7 m=49
